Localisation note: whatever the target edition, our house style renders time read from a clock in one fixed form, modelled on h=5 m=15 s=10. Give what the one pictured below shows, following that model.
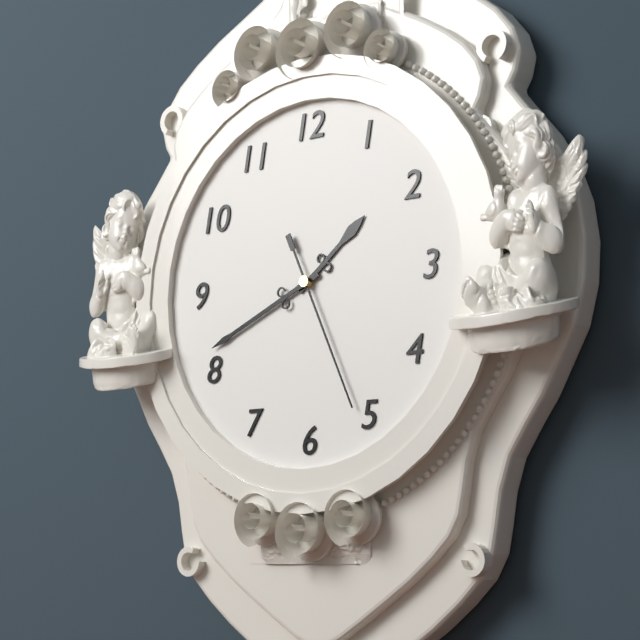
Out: h=1 m=41 s=26
